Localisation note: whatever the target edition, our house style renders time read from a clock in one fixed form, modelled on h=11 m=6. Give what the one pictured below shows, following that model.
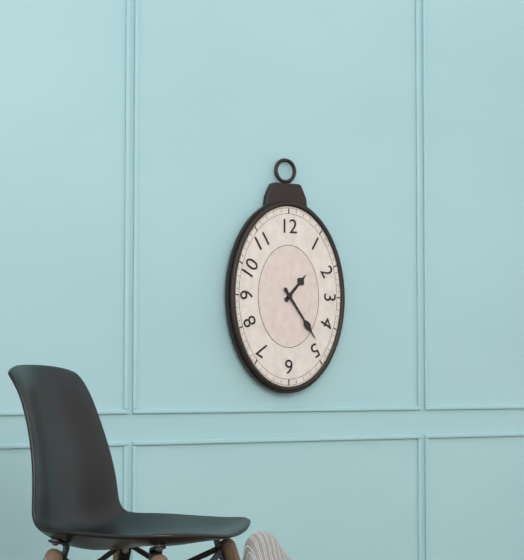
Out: h=1 m=24
